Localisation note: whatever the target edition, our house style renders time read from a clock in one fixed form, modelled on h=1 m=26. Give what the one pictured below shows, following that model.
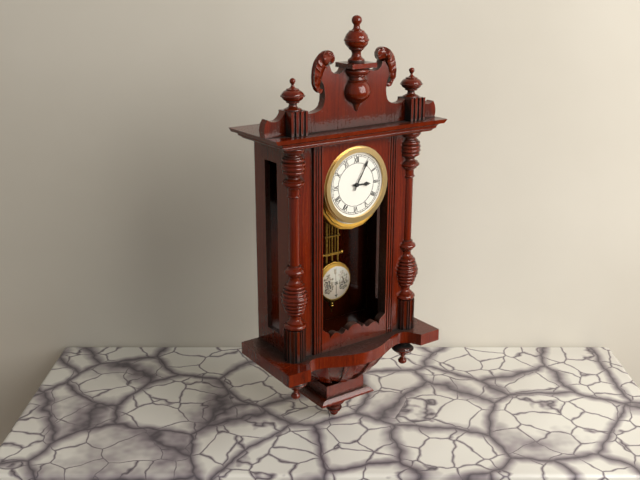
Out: h=3 m=5
